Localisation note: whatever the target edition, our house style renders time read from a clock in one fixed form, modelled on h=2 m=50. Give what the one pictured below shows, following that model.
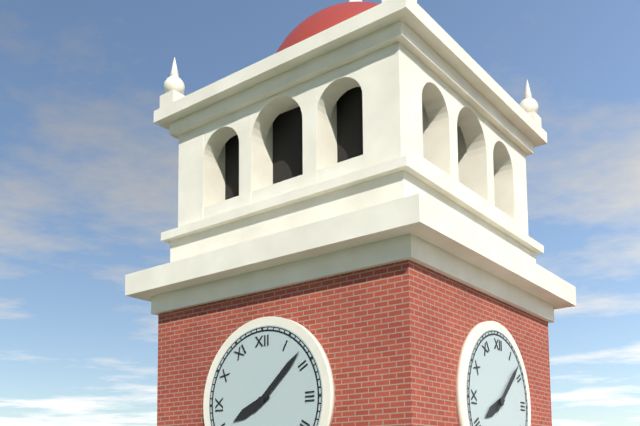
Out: h=8 m=8
